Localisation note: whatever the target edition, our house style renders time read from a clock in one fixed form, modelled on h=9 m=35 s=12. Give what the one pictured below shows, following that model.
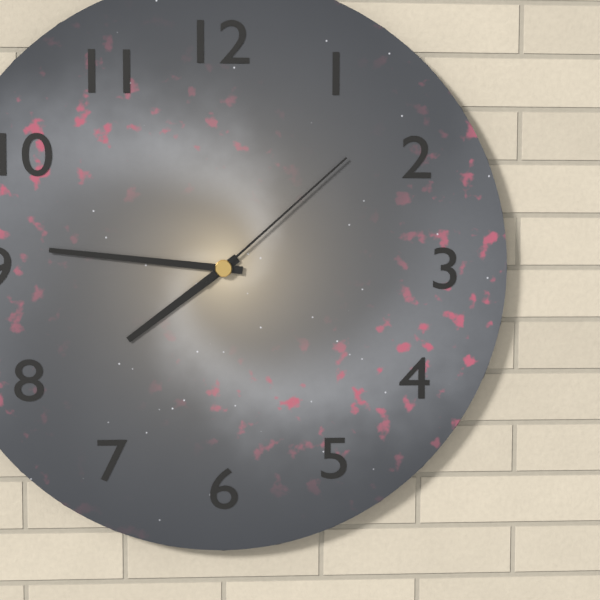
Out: h=7 m=46 s=8
